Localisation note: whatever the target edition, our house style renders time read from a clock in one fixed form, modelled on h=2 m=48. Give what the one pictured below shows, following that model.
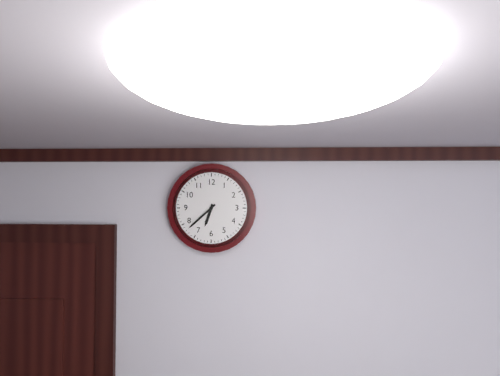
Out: h=6 m=38
